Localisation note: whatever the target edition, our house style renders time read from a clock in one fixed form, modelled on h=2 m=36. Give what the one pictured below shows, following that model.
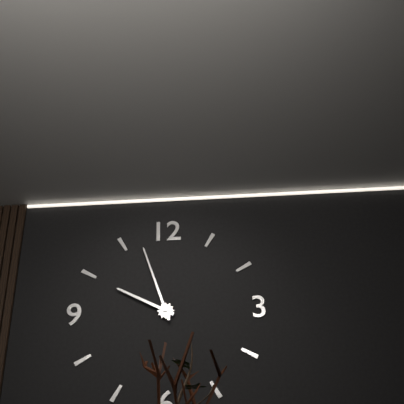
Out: h=9 m=57
